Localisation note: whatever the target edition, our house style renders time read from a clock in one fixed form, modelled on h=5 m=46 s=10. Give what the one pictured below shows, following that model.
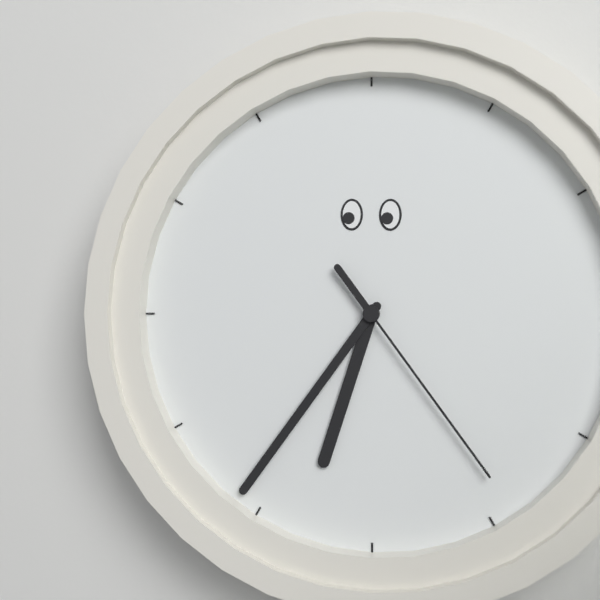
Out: h=6 m=36 s=24
